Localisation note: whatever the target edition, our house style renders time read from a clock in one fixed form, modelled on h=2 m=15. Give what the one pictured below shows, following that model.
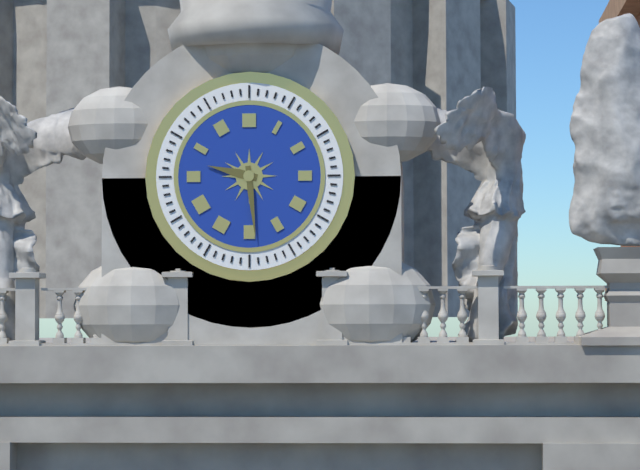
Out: h=9 m=29
